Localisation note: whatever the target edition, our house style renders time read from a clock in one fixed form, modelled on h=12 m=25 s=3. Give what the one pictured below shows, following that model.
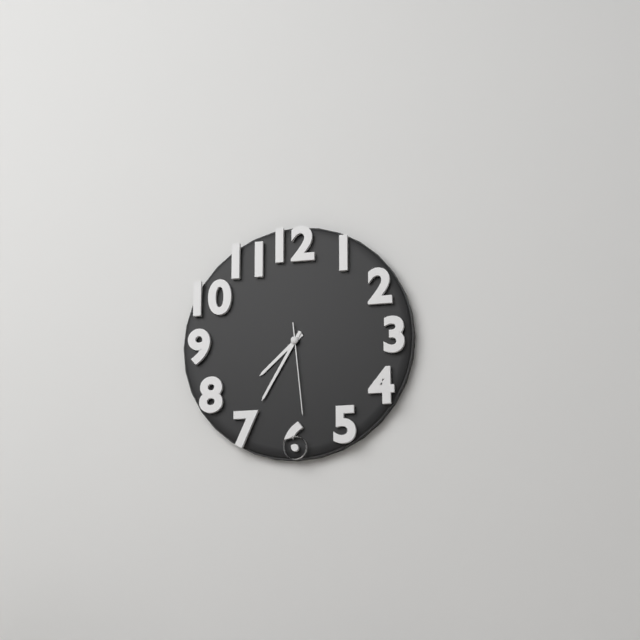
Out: h=7 m=35 s=29
